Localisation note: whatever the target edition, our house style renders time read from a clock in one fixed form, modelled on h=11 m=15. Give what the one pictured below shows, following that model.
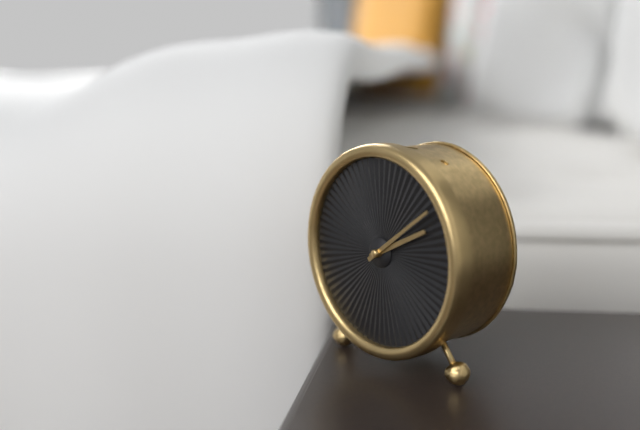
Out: h=2 m=9
